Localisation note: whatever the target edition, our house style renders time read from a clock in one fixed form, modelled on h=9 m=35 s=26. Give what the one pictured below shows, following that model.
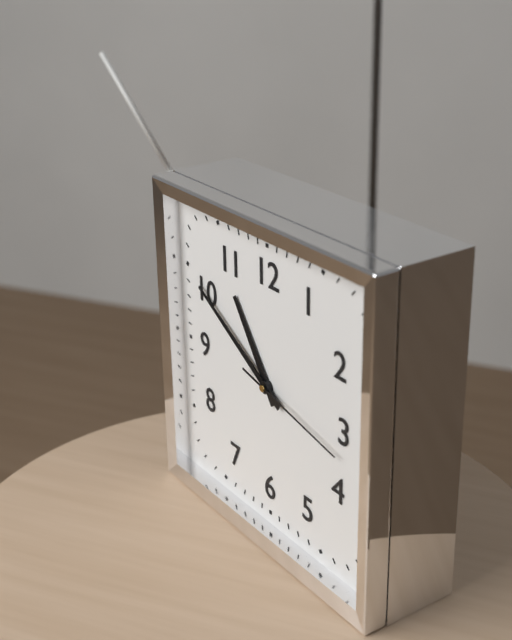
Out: h=10 m=50 s=17
